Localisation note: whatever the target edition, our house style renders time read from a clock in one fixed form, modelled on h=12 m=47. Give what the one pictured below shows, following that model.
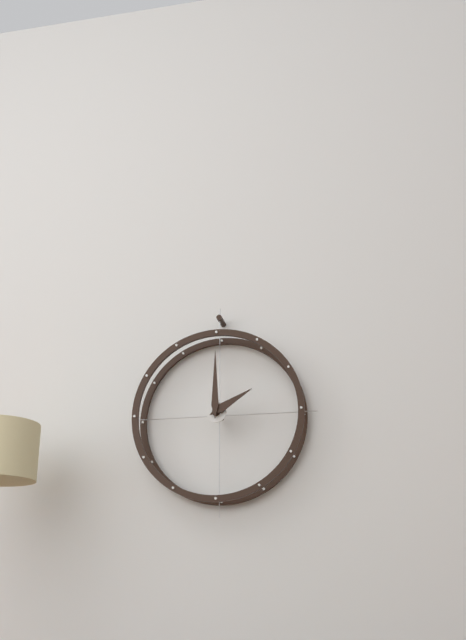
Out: h=2 m=0
